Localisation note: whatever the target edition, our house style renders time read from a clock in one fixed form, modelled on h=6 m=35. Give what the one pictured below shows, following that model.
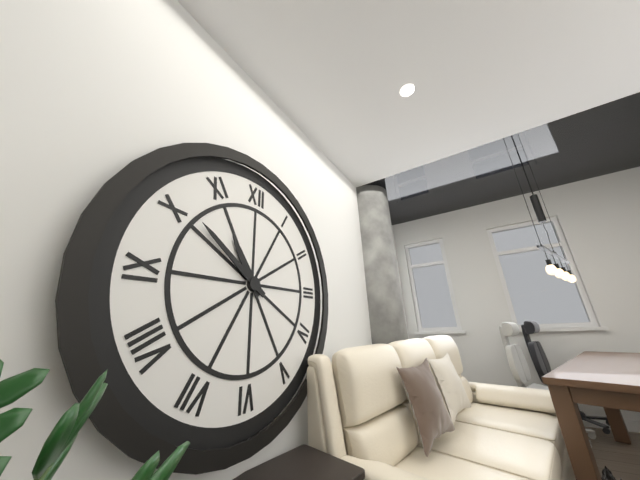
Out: h=10 m=51
